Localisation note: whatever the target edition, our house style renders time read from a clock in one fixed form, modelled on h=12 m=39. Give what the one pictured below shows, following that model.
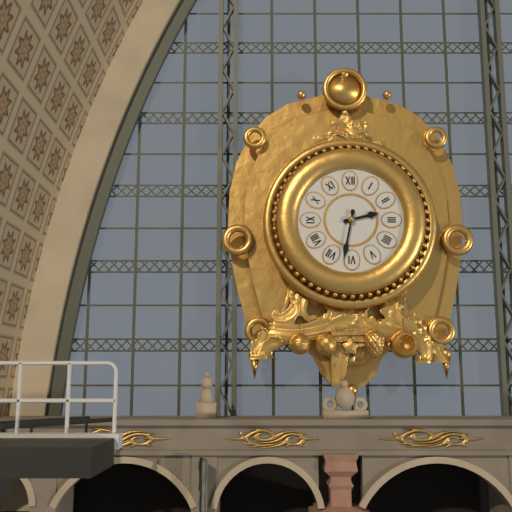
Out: h=2 m=32
